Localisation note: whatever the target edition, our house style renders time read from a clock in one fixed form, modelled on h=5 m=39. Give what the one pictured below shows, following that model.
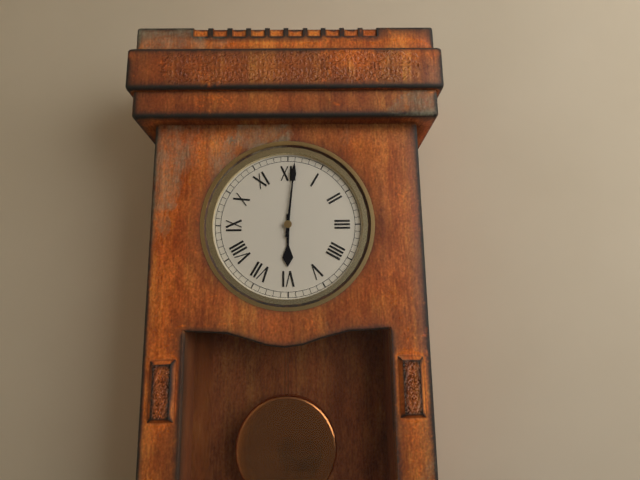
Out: h=6 m=1
